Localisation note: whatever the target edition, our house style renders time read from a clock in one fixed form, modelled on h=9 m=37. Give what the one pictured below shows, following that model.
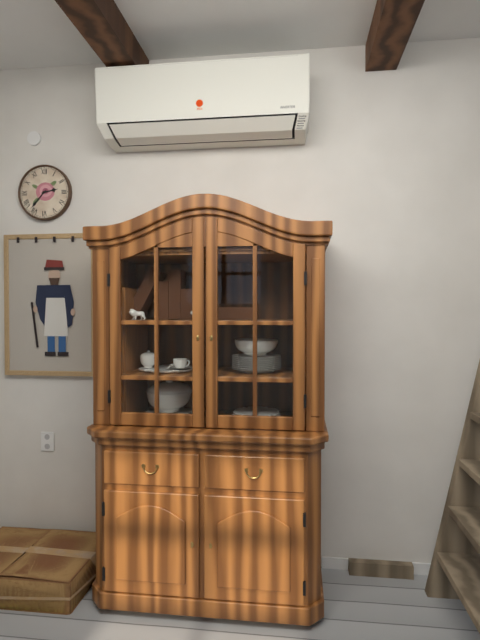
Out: h=2 m=37
